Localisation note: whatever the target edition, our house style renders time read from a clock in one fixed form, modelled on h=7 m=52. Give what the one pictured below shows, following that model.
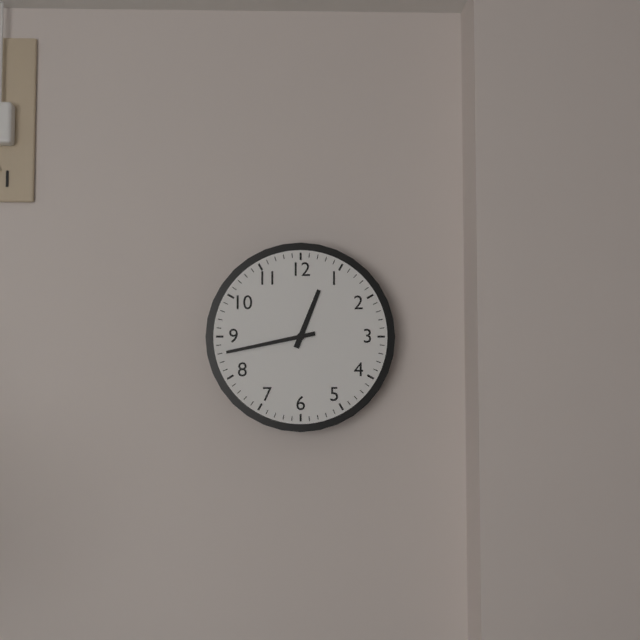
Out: h=12 m=43
